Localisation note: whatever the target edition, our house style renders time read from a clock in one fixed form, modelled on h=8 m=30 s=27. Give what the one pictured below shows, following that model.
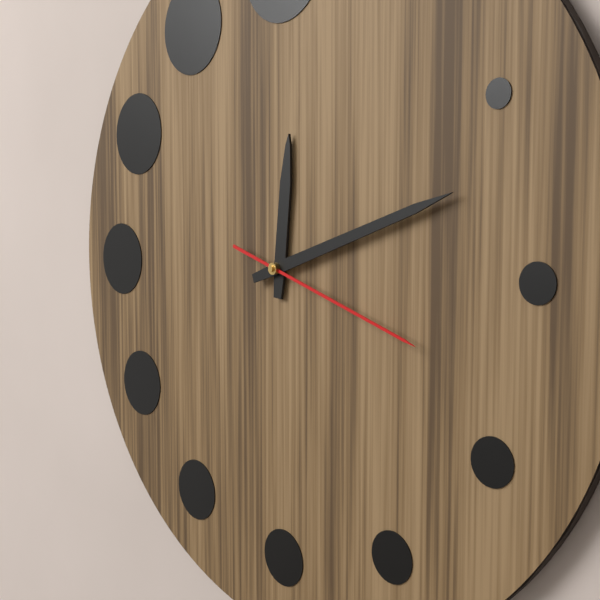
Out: h=12 m=12 s=18
